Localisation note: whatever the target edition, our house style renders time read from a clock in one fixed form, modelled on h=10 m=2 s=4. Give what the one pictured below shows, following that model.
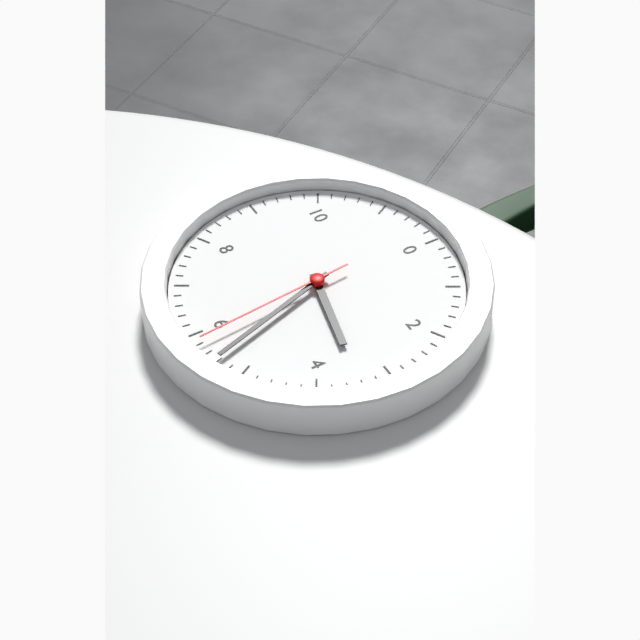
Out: h=3 m=27 s=29
